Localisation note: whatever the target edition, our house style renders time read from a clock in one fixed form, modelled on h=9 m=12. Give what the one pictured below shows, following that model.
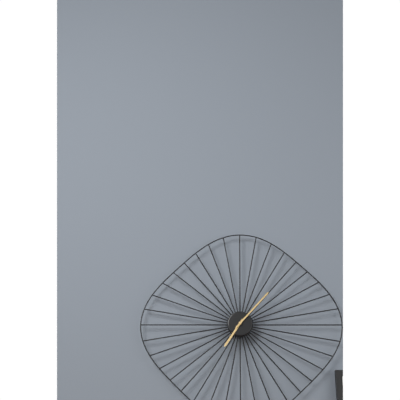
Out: h=7 m=7
